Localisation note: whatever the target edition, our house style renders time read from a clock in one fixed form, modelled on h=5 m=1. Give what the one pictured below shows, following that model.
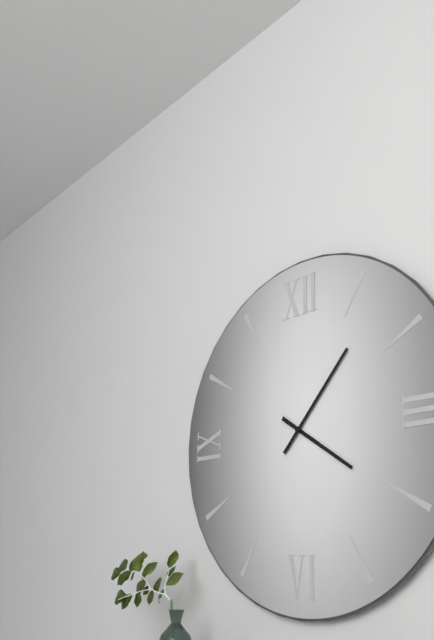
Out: h=4 m=7
